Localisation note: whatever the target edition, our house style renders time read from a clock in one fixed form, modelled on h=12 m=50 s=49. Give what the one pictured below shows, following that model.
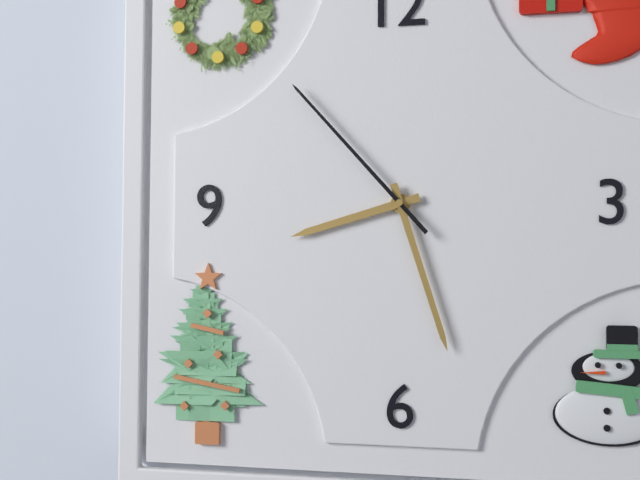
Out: h=8 m=27 s=53
